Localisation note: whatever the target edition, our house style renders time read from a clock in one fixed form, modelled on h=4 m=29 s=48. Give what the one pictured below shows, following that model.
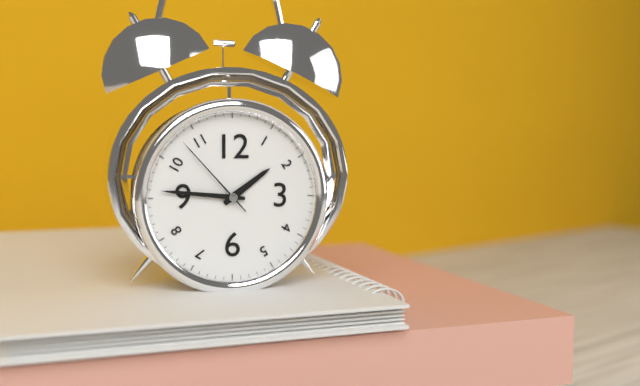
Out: h=1 m=46 s=53
